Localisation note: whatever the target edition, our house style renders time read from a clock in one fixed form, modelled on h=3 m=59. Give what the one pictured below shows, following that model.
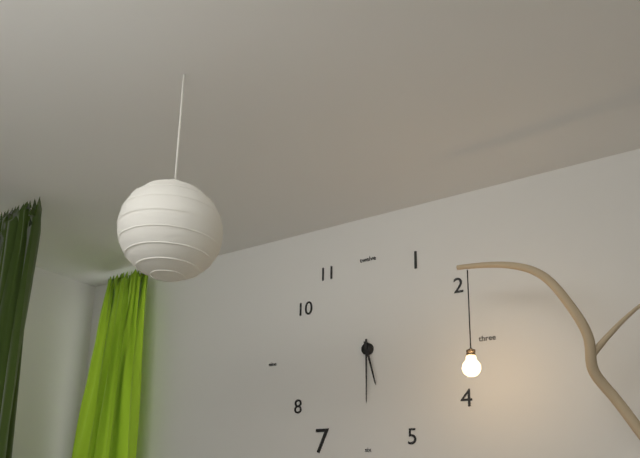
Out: h=5 m=30
